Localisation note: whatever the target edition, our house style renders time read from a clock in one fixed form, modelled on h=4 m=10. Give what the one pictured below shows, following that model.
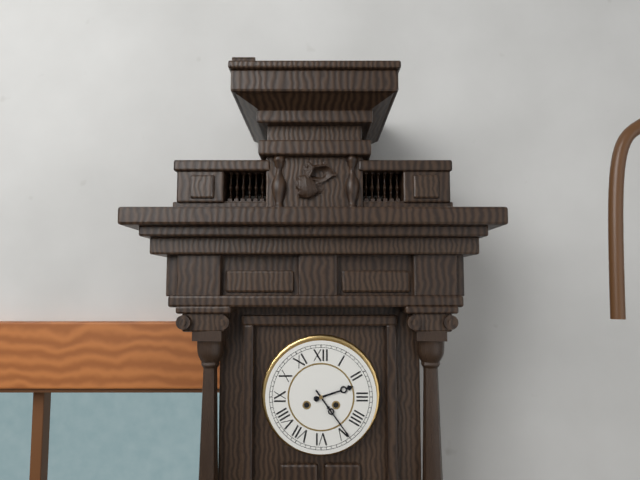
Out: h=2 m=24
